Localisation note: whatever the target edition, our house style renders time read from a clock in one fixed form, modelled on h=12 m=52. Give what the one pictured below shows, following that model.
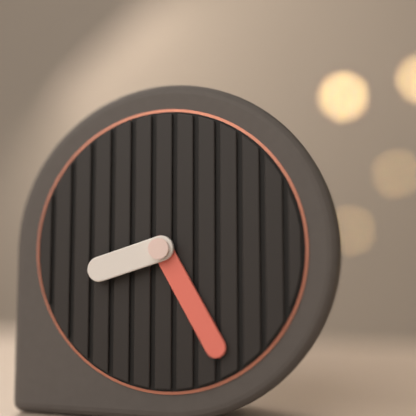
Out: h=8 m=25
